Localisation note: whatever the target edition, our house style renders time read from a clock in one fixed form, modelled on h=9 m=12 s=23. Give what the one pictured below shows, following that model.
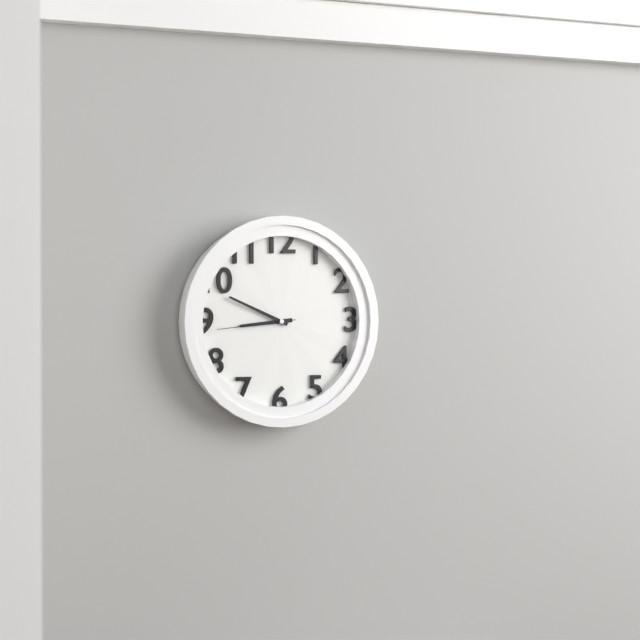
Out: h=8 m=49 s=44
